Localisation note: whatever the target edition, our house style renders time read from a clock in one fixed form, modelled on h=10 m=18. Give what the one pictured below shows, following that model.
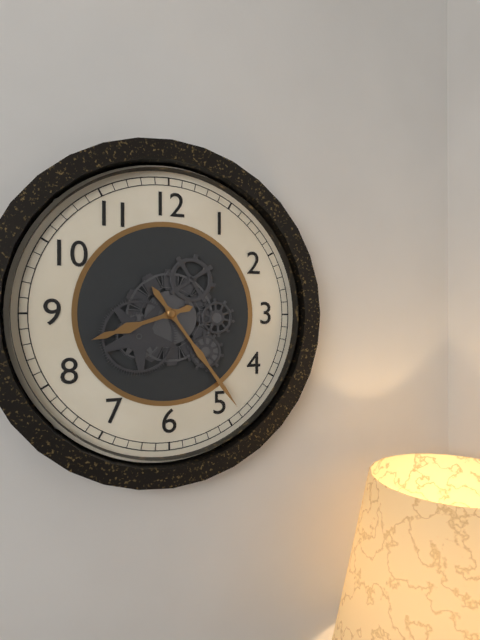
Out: h=8 m=24
